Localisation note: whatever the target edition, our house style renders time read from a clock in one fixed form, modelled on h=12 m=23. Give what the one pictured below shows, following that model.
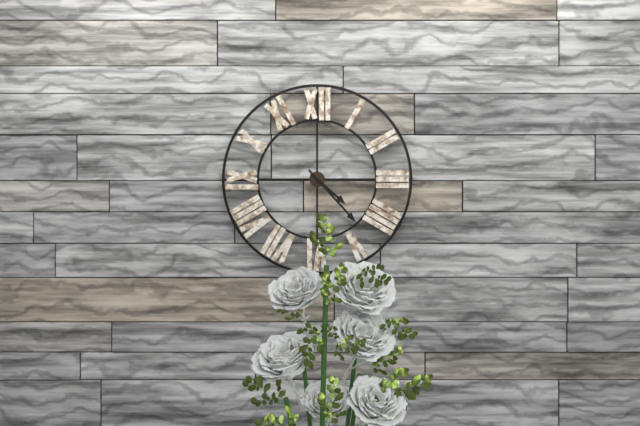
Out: h=4 m=23
